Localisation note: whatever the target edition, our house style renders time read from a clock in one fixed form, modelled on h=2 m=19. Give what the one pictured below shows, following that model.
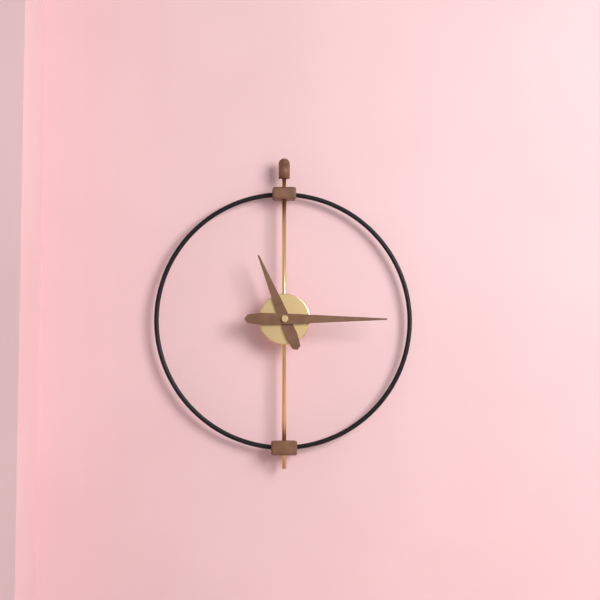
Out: h=11 m=15
